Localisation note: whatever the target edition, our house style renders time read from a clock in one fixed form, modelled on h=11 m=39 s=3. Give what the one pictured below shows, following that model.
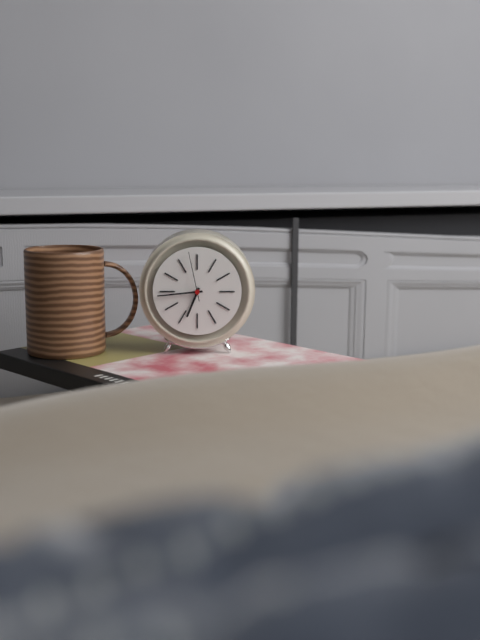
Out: h=6 m=44 s=58
